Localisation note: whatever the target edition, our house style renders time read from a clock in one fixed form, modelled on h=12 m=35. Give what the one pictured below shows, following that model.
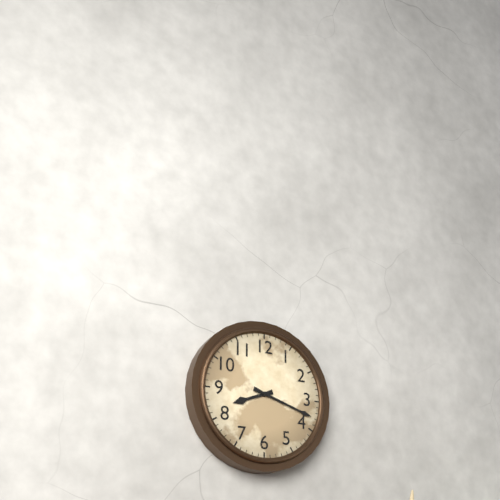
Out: h=8 m=18
